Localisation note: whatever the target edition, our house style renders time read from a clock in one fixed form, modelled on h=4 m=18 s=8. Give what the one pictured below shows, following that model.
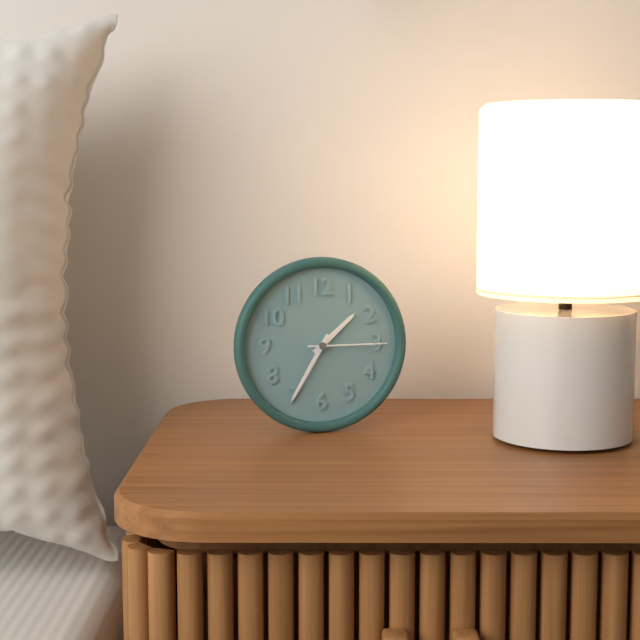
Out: h=1 m=35 s=15
